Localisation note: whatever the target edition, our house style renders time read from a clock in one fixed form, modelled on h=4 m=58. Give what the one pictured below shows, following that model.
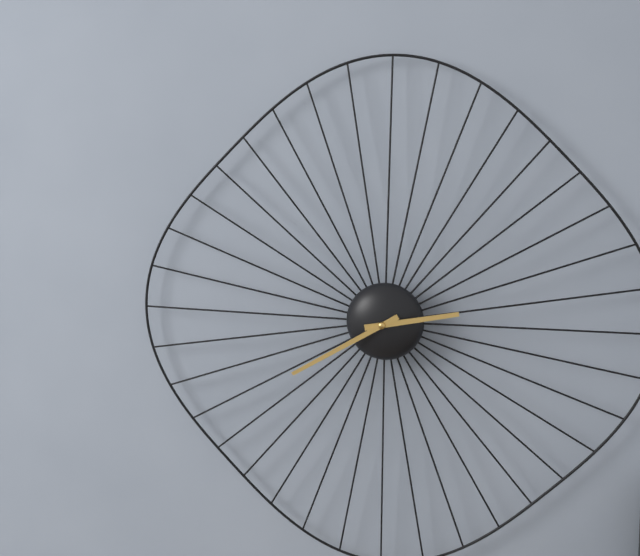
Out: h=2 m=40
